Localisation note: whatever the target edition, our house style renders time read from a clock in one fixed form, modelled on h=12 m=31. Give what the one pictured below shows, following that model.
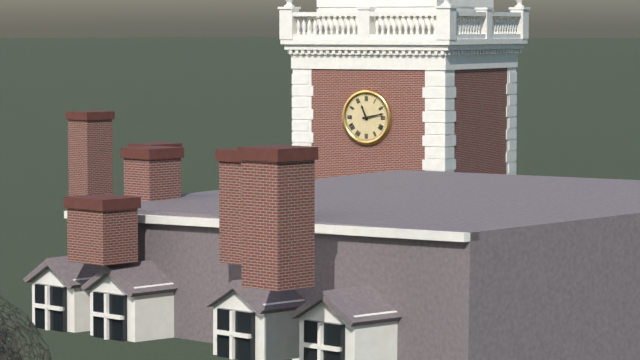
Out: h=11 m=13
